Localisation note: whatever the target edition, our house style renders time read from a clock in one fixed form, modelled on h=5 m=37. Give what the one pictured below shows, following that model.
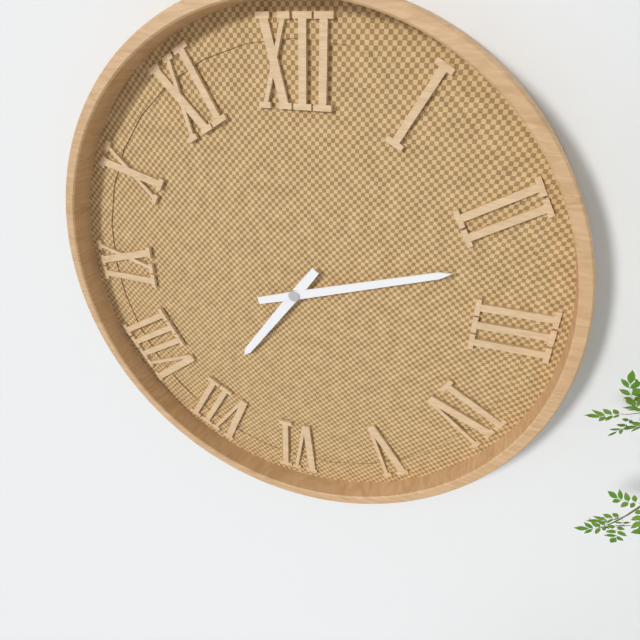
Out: h=7 m=12
